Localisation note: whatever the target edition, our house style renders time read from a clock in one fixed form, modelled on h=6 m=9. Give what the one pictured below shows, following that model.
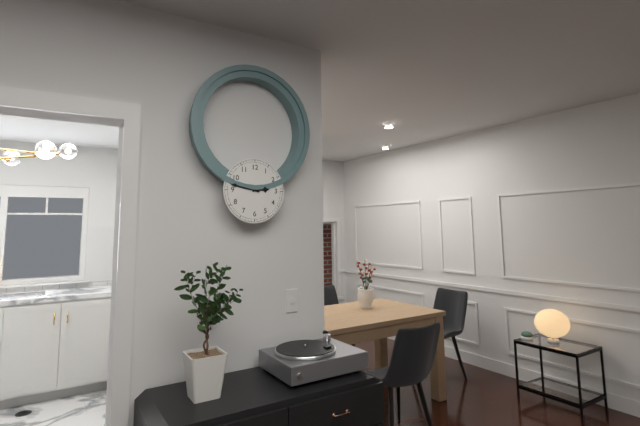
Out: h=2 m=47
